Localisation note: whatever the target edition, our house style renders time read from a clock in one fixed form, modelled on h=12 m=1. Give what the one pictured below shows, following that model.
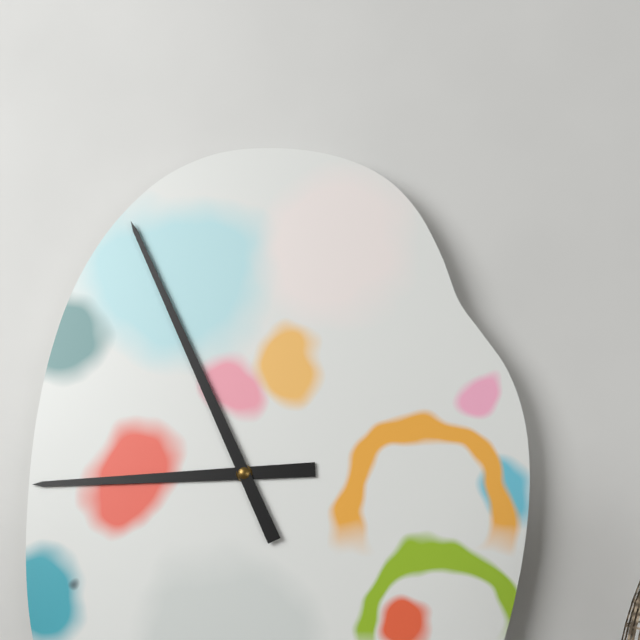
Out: h=8 m=56
